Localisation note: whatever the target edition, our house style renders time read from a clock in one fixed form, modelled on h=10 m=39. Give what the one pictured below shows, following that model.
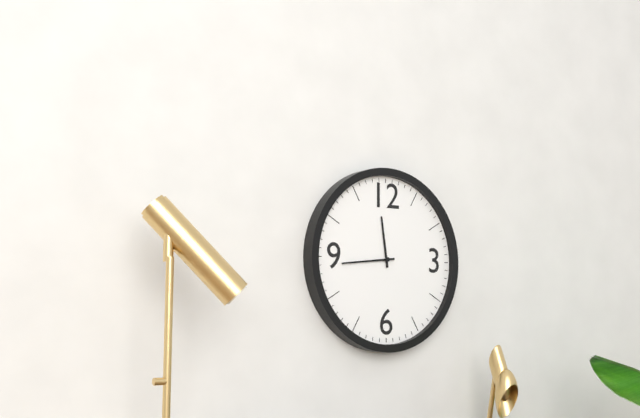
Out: h=11 m=44
